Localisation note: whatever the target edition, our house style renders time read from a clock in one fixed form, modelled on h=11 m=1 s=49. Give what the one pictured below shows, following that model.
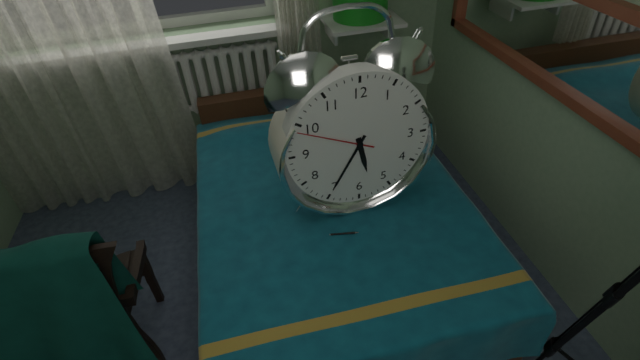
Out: h=5 m=35 s=49
